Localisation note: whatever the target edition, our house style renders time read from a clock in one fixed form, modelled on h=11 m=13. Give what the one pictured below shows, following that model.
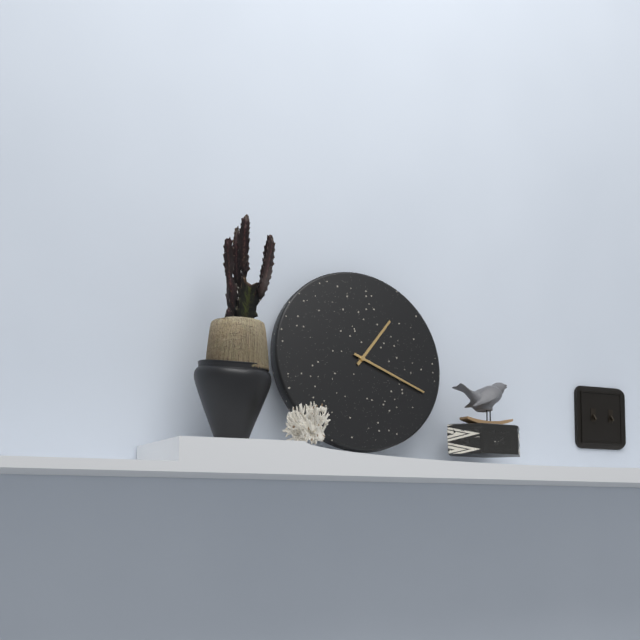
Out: h=1 m=19
